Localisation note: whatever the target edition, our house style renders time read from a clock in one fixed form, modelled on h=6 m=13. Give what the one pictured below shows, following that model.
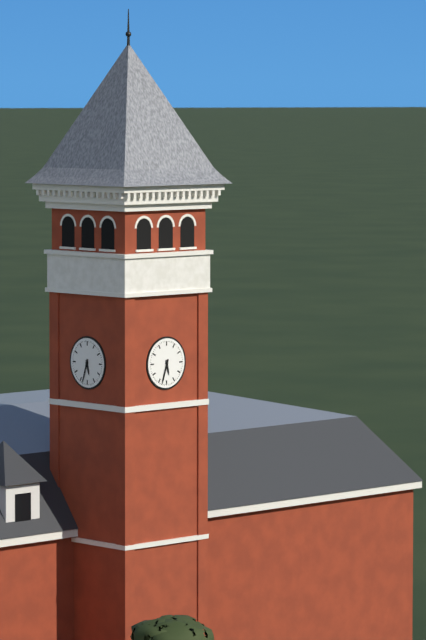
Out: h=5 m=33
